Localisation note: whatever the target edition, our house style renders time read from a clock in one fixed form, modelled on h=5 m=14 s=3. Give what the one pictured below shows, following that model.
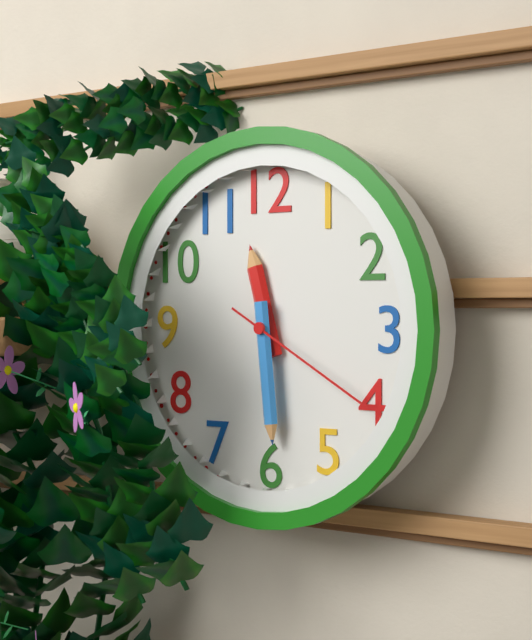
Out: h=11 m=29 s=20
